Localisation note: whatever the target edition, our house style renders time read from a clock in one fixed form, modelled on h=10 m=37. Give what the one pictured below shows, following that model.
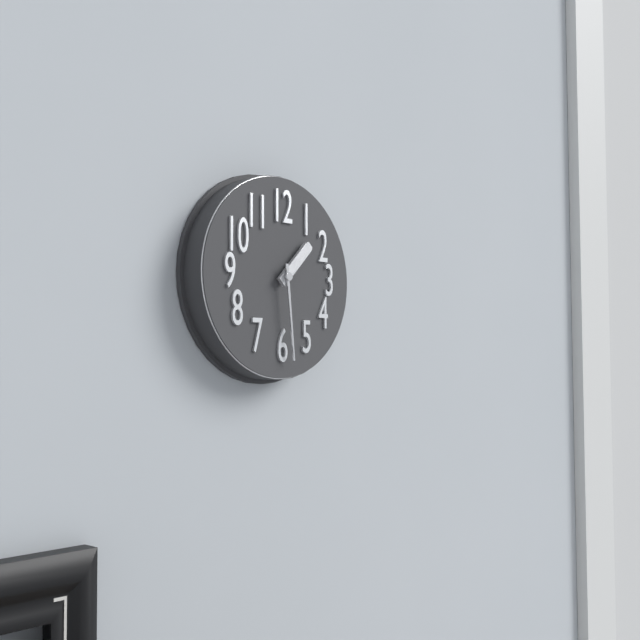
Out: h=1 m=29
